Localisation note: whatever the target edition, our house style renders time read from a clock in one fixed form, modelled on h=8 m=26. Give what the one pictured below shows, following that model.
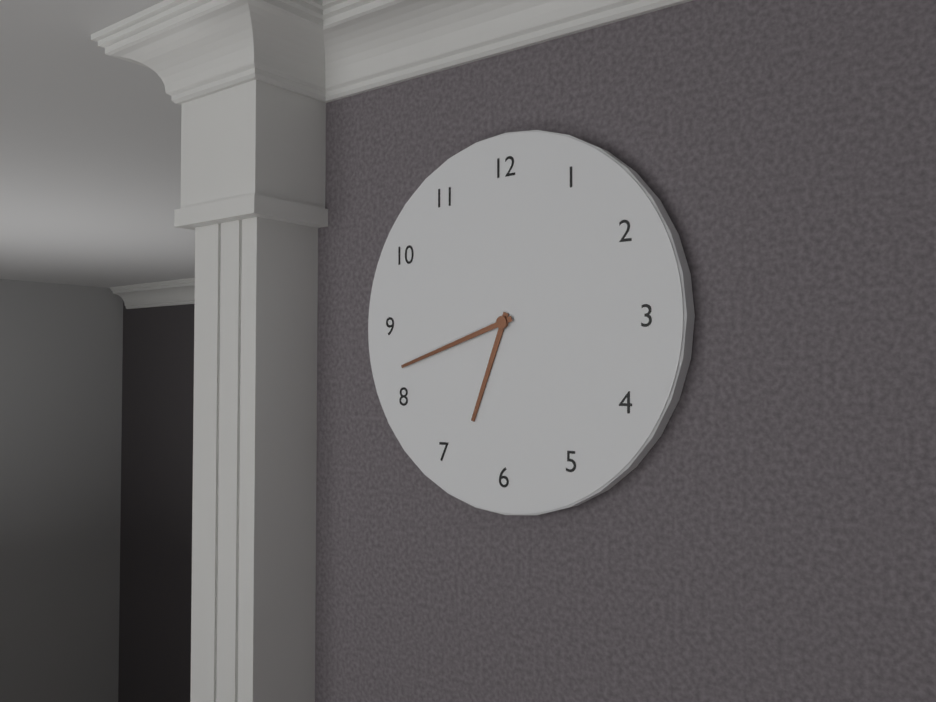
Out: h=6 m=42
